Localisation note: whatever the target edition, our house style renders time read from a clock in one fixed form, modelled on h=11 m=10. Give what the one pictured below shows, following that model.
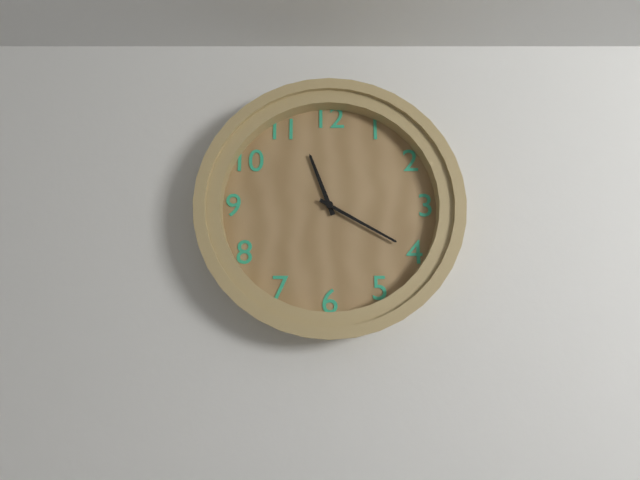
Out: h=11 m=20
